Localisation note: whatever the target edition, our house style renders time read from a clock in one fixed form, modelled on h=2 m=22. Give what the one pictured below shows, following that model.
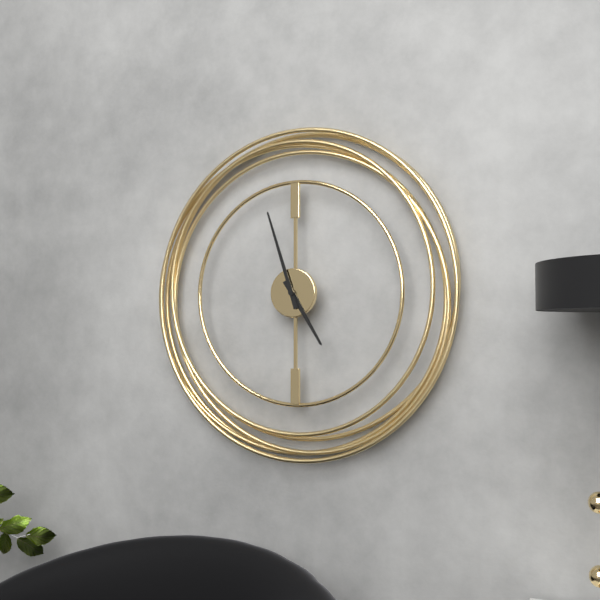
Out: h=4 m=57
